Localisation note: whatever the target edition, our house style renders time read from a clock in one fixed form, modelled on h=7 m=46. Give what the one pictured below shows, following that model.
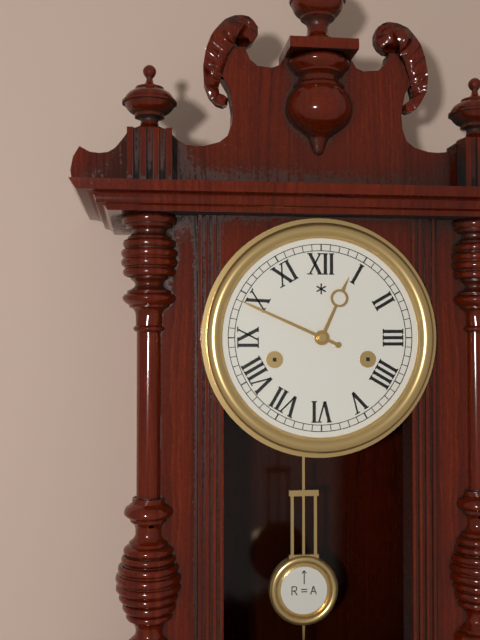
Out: h=12 m=49
